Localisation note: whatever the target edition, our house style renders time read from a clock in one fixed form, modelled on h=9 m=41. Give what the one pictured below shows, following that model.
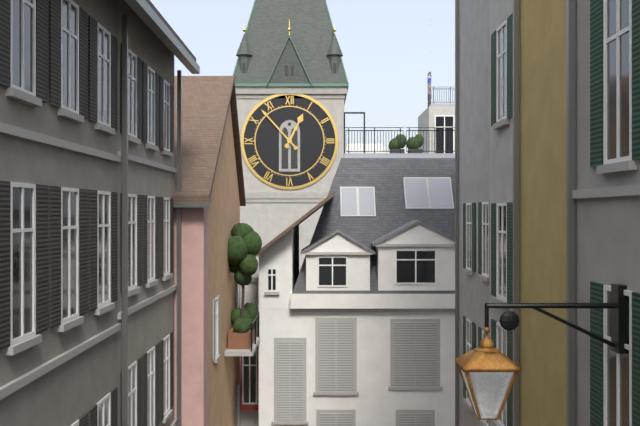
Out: h=12 m=53
